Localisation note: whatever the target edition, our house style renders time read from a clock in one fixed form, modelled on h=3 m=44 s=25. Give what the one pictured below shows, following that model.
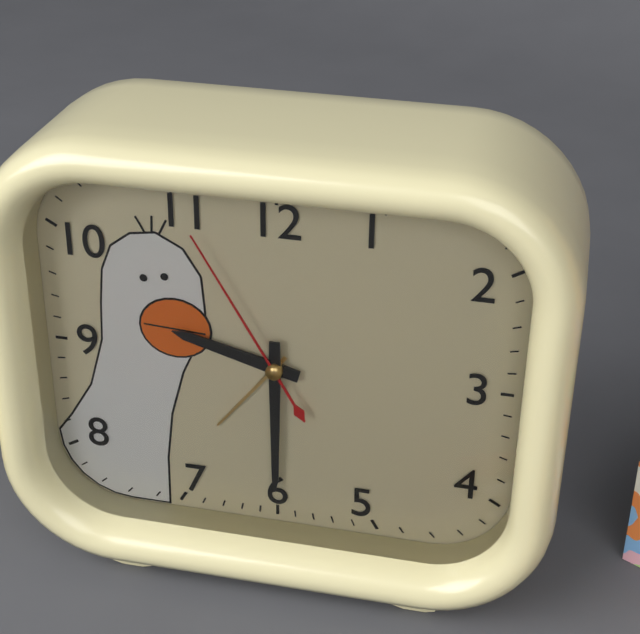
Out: h=9 m=30 s=55
